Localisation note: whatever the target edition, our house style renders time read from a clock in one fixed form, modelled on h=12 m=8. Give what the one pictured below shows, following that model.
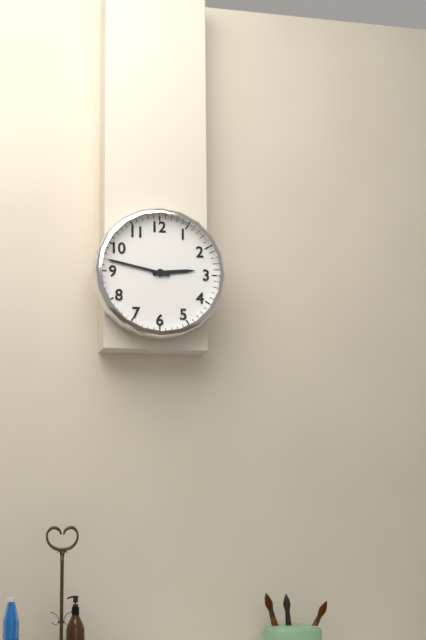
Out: h=2 m=47
